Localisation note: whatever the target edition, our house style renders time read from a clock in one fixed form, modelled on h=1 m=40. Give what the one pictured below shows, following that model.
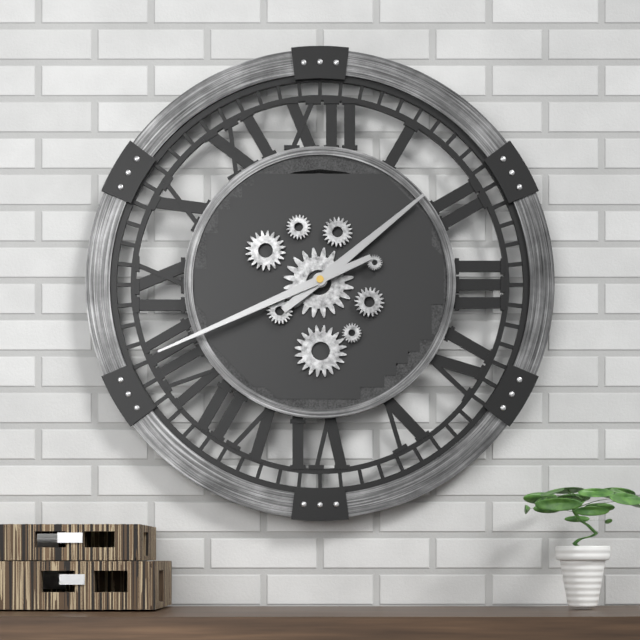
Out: h=1 m=41
